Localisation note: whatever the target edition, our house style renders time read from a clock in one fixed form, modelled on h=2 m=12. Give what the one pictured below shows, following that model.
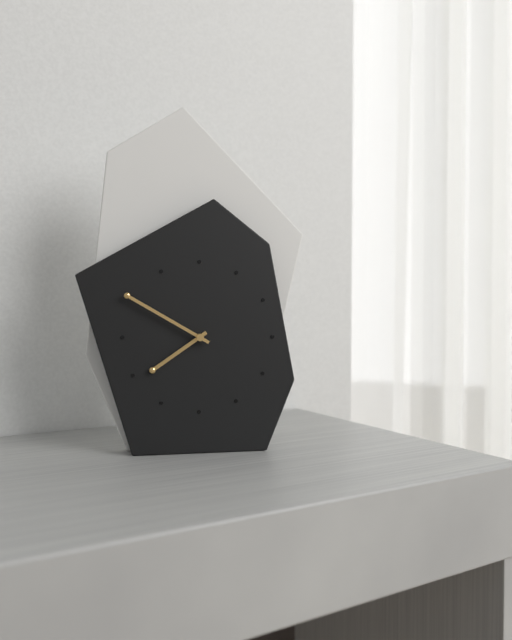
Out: h=7 m=50
